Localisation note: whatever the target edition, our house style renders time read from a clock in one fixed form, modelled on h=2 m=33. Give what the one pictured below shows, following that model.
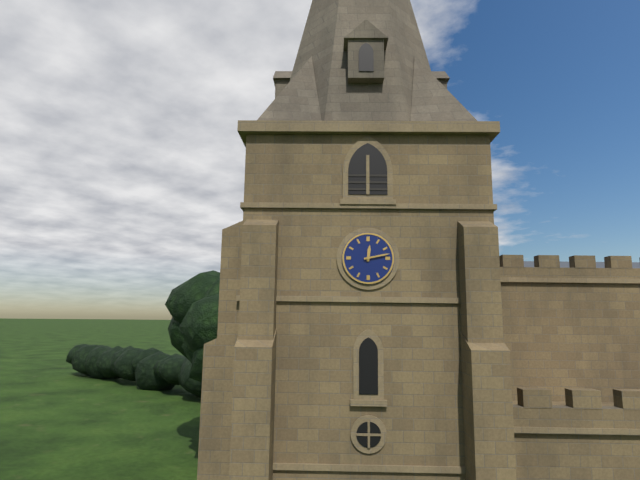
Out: h=12 m=13
